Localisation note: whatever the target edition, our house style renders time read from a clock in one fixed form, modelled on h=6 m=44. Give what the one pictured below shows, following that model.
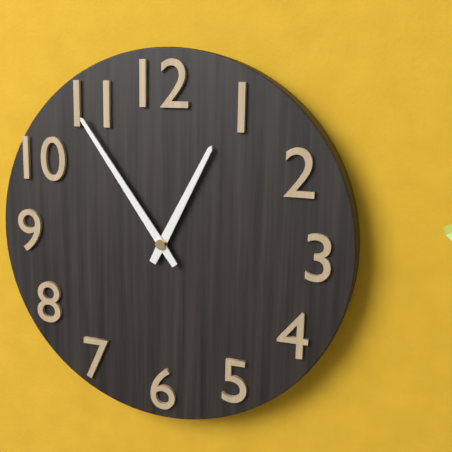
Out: h=12 m=54
